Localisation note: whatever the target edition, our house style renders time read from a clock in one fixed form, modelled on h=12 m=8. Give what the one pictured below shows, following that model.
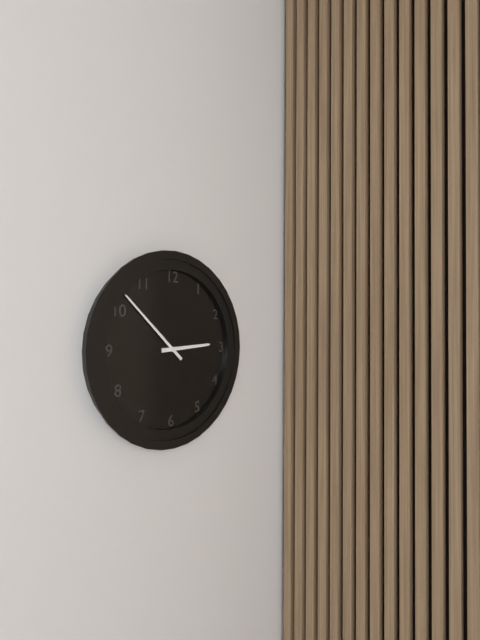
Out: h=2 m=52
